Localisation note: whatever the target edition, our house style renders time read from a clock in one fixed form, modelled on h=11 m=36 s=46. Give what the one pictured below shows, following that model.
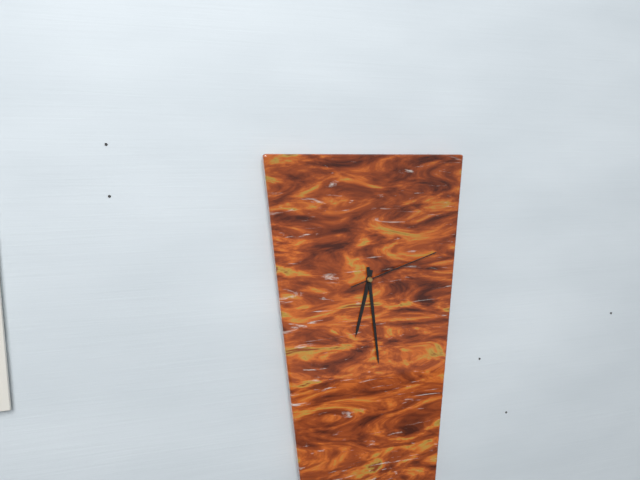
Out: h=6 m=29 s=12
